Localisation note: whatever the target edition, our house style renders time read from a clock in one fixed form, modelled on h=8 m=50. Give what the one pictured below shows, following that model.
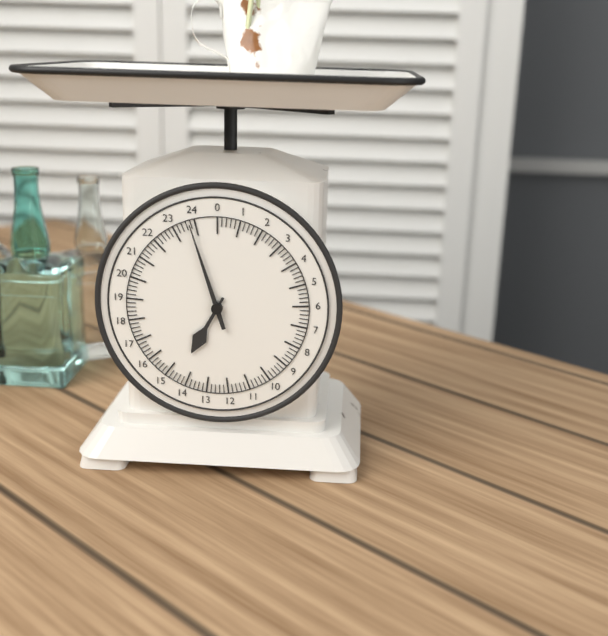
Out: h=6 m=57
